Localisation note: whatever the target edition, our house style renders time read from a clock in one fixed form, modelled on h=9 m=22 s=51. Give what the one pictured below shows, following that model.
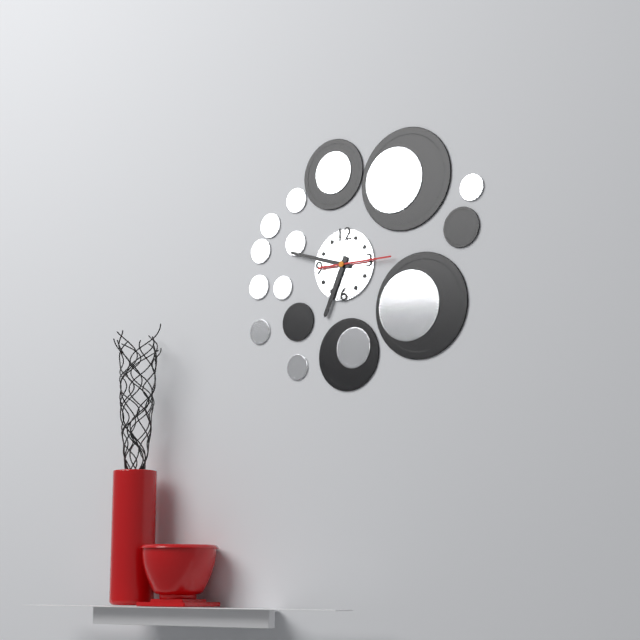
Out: h=6 m=48 s=15
